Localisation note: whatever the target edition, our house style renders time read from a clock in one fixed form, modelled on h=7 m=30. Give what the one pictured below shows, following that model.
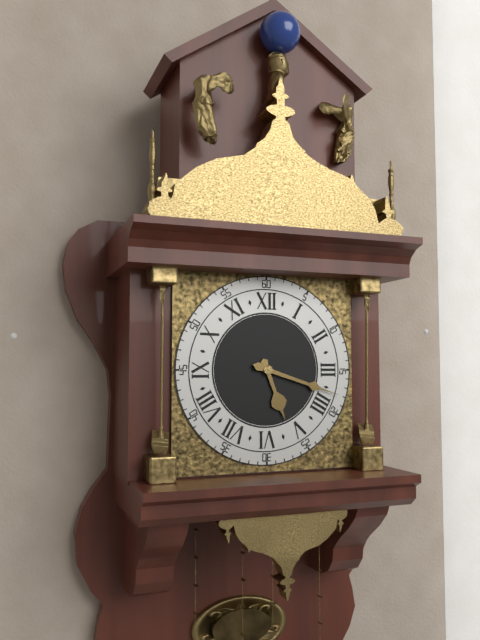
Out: h=5 m=18
